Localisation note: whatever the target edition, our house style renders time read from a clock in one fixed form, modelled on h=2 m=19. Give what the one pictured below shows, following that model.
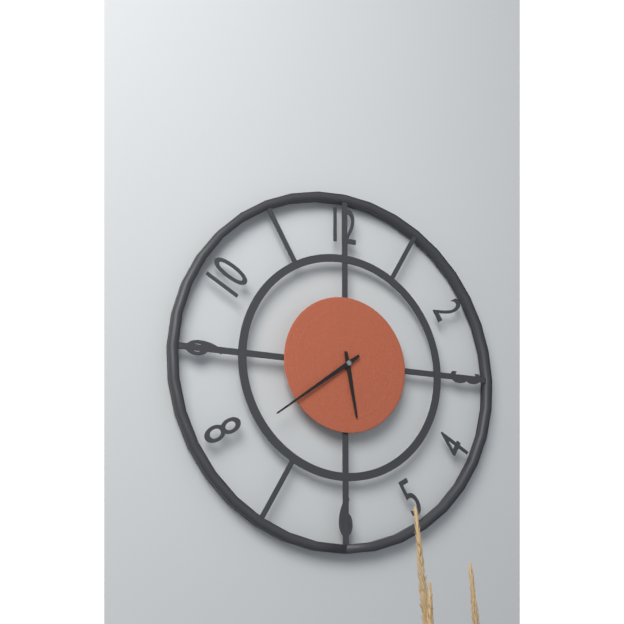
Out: h=5 m=39
